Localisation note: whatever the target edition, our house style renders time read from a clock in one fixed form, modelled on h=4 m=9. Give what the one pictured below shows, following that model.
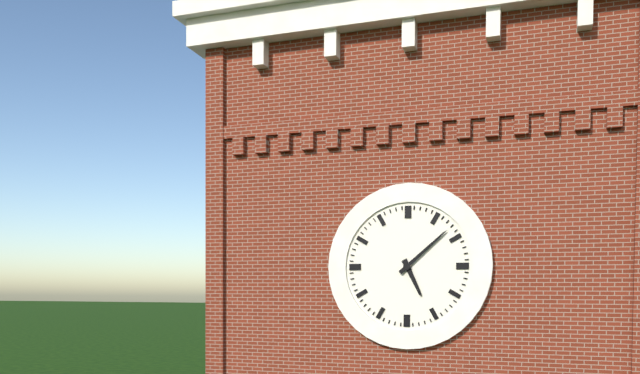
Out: h=5 m=8
